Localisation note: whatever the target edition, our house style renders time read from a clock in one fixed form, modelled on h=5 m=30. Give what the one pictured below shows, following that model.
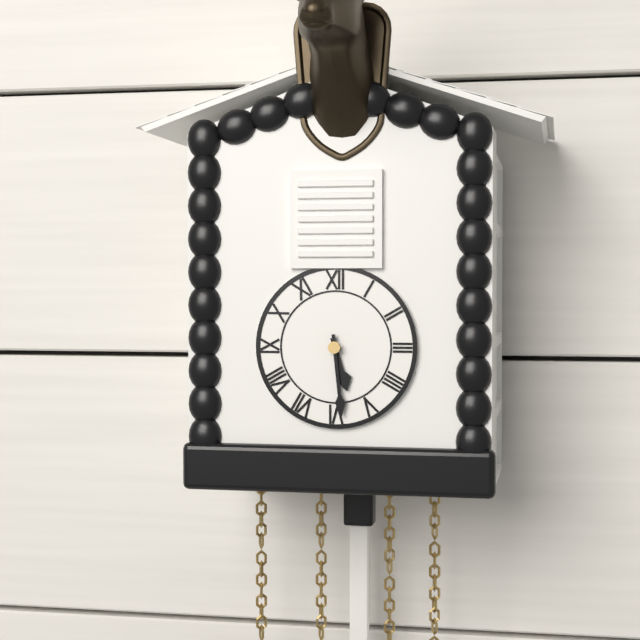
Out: h=5 m=29
